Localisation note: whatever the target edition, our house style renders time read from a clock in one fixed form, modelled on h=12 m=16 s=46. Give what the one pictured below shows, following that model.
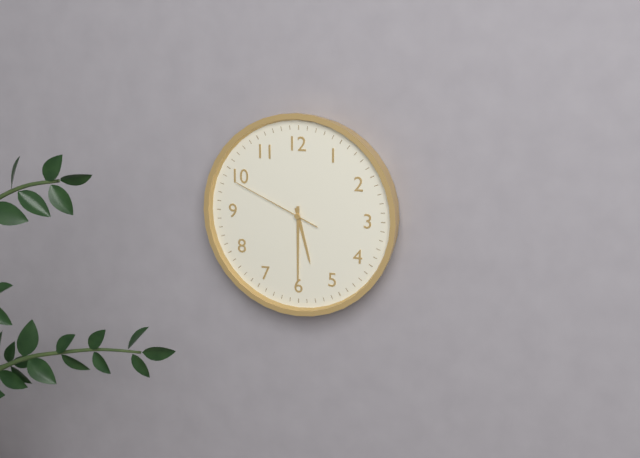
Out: h=5 m=30 s=49
